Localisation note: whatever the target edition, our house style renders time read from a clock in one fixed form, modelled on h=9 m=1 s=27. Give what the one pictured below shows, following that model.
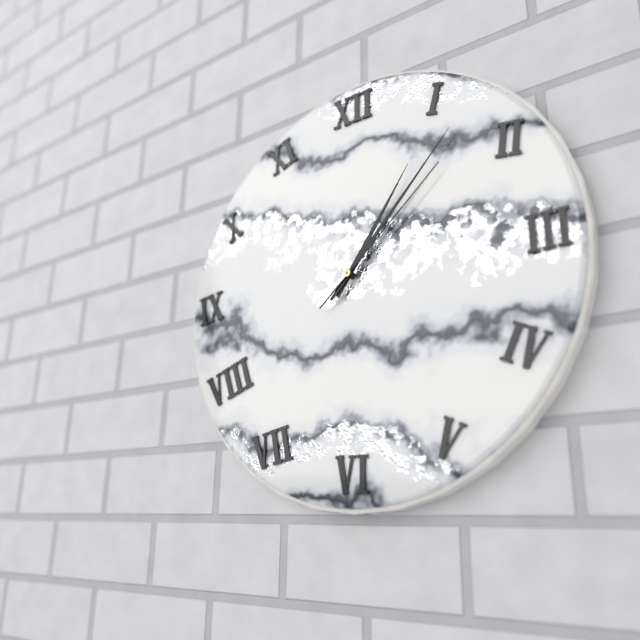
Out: h=1 m=7 s=8
